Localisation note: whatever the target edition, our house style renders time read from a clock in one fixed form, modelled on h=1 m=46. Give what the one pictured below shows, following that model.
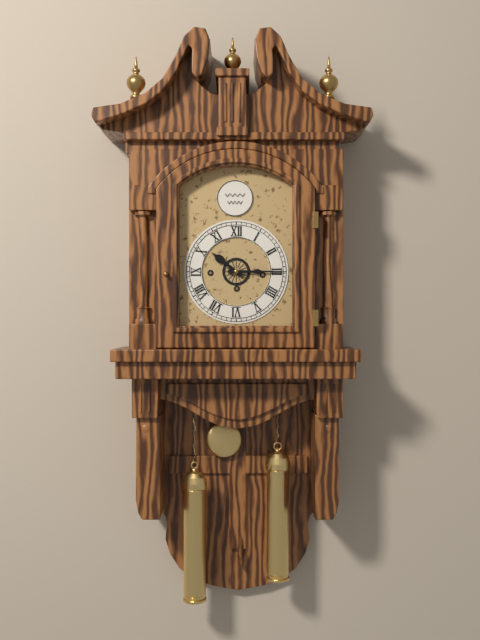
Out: h=10 m=15
